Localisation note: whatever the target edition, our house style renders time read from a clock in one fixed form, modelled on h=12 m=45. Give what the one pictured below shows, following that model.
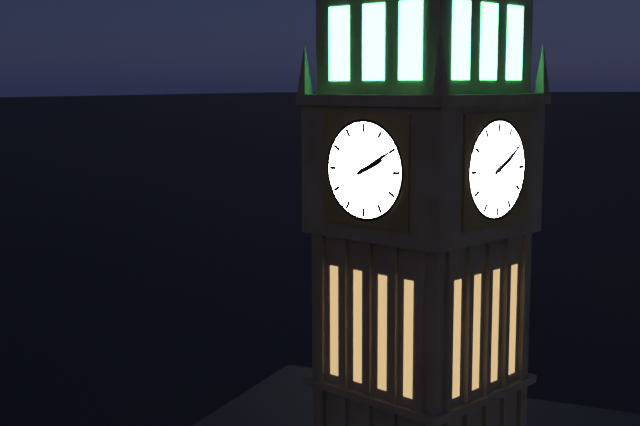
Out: h=2 m=10
